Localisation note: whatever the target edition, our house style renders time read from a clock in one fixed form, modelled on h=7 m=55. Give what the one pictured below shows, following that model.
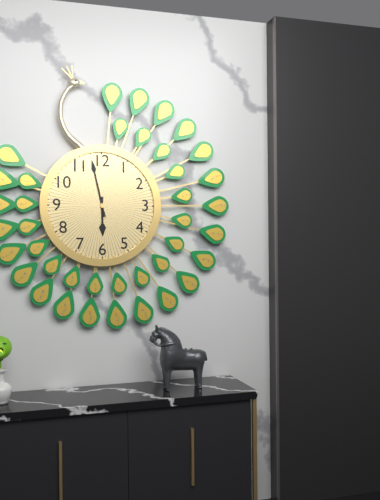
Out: h=5 m=58
